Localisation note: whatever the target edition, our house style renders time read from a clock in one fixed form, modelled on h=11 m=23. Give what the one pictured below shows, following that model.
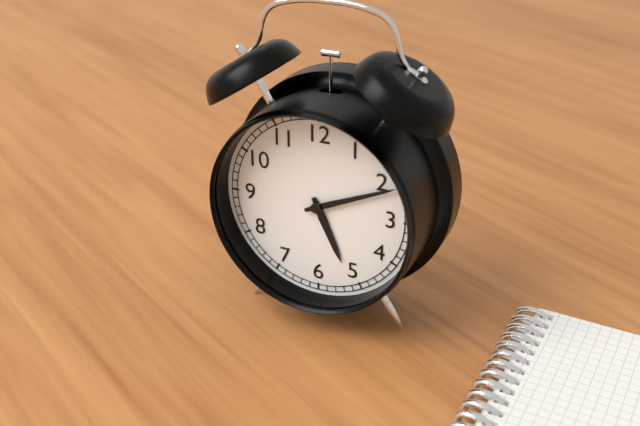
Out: h=5 m=11
